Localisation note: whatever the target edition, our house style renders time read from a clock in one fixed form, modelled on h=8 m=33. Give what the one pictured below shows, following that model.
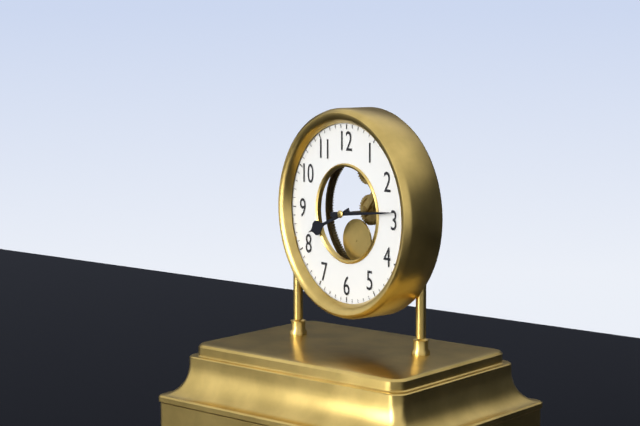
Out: h=8 m=14
